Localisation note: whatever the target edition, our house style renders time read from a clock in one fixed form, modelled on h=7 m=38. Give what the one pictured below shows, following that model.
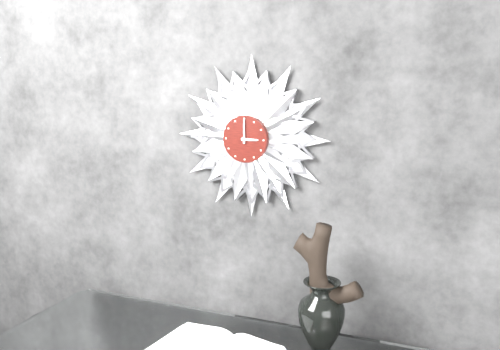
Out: h=3 m=0
